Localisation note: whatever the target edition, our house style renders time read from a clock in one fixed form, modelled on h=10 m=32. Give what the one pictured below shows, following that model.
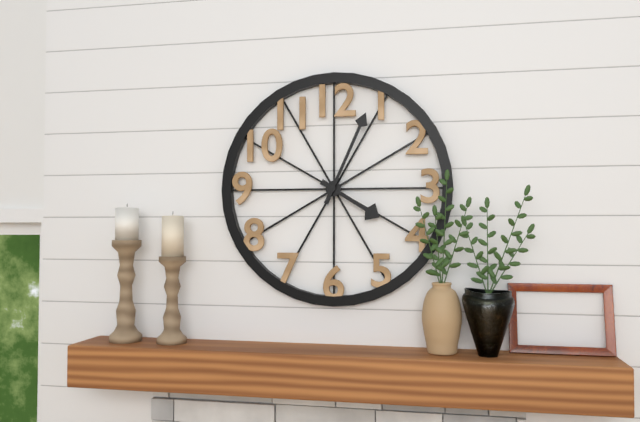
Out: h=4 m=4
